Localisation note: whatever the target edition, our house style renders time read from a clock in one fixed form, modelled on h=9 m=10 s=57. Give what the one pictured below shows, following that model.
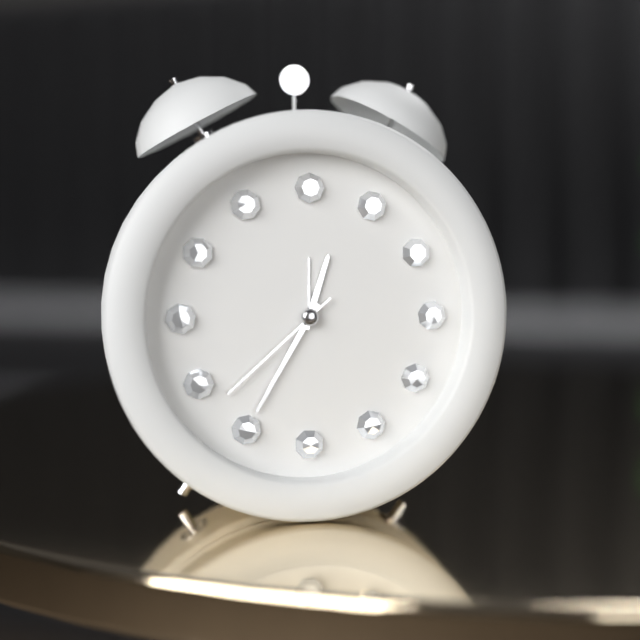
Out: h=12 m=35 s=38
